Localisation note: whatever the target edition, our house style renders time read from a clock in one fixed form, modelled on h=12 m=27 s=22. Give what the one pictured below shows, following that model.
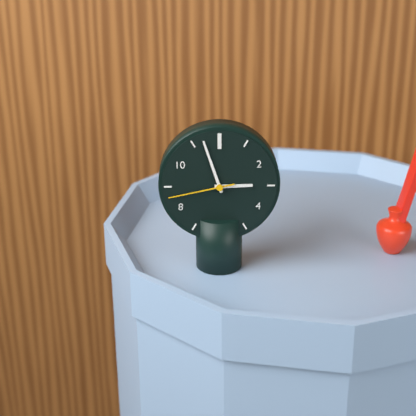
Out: h=2 m=57 s=43
